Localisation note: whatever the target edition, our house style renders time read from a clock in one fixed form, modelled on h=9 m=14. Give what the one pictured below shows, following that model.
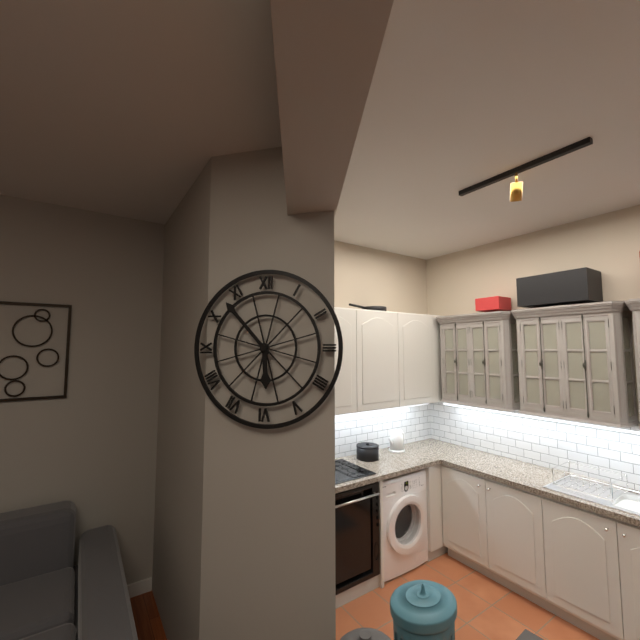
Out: h=5 m=53
